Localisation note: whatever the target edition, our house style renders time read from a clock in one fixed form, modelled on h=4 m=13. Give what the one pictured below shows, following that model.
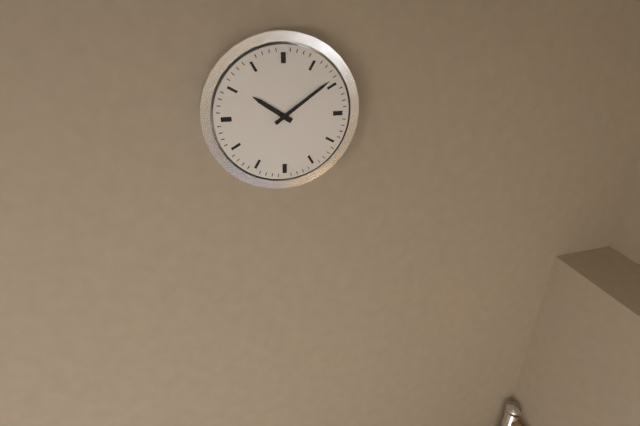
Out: h=10 m=9
